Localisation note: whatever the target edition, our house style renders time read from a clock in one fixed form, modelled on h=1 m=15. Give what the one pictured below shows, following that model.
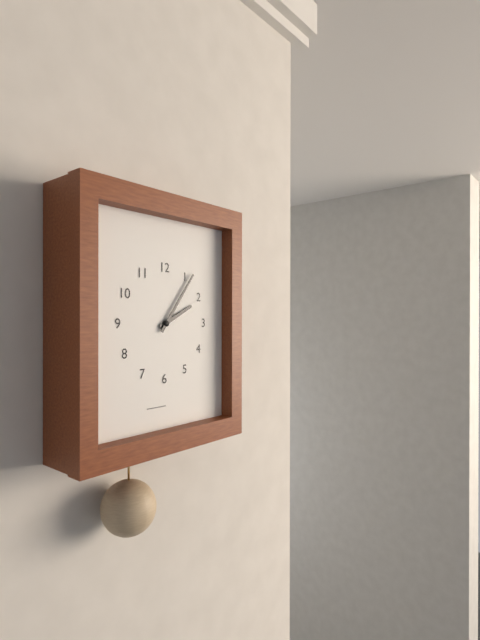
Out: h=2 m=6
